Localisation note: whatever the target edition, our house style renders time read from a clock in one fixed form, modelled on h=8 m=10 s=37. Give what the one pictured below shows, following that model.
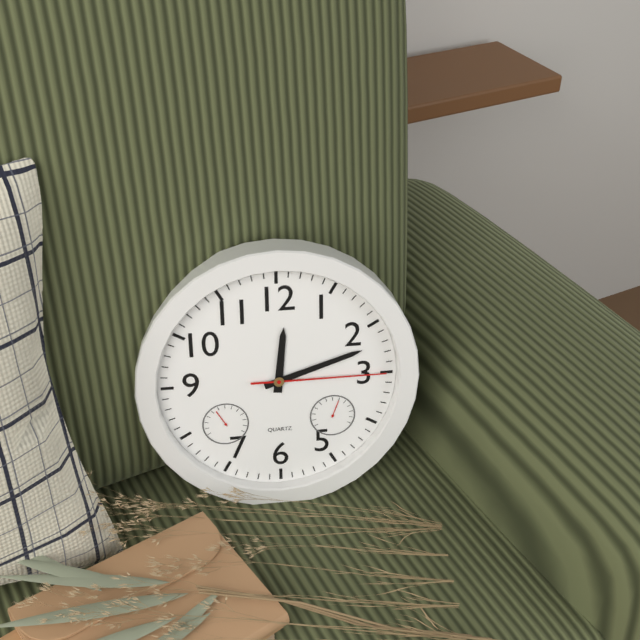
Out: h=12 m=12 s=15
